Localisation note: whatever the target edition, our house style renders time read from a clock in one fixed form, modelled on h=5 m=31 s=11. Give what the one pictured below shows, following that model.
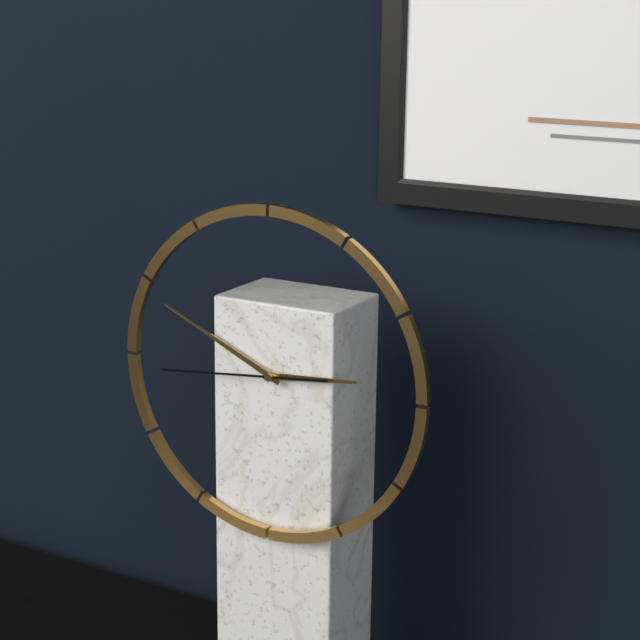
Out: h=2 m=49 s=44
